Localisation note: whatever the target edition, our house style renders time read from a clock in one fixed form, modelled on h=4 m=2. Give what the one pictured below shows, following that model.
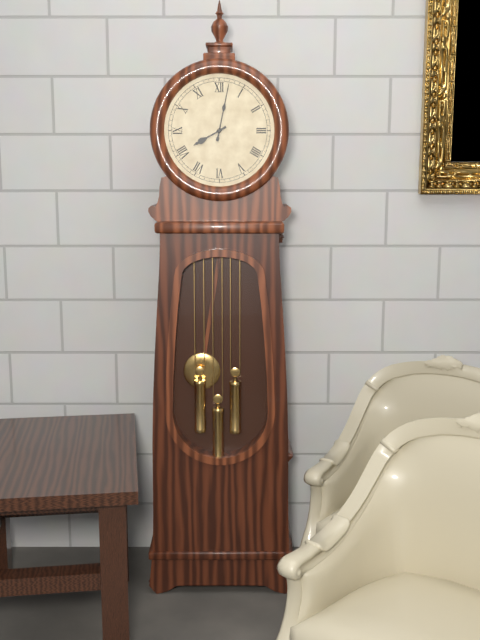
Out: h=8 m=2
